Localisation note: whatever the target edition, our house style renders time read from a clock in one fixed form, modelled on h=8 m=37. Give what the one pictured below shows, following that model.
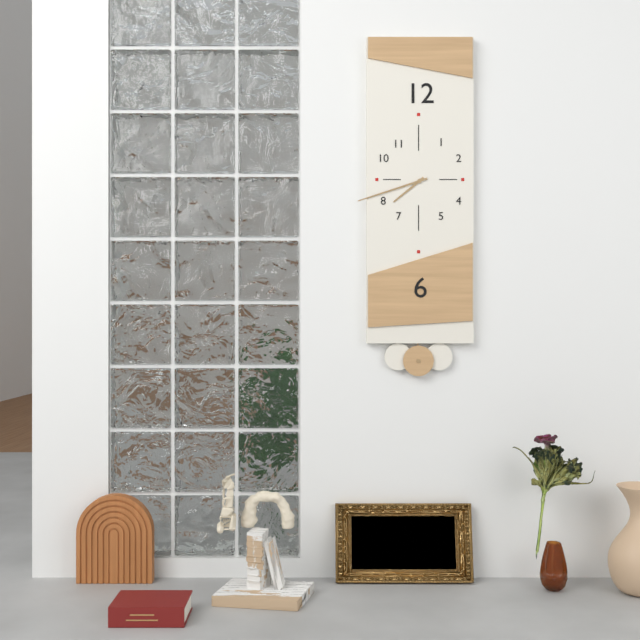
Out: h=7 m=42
